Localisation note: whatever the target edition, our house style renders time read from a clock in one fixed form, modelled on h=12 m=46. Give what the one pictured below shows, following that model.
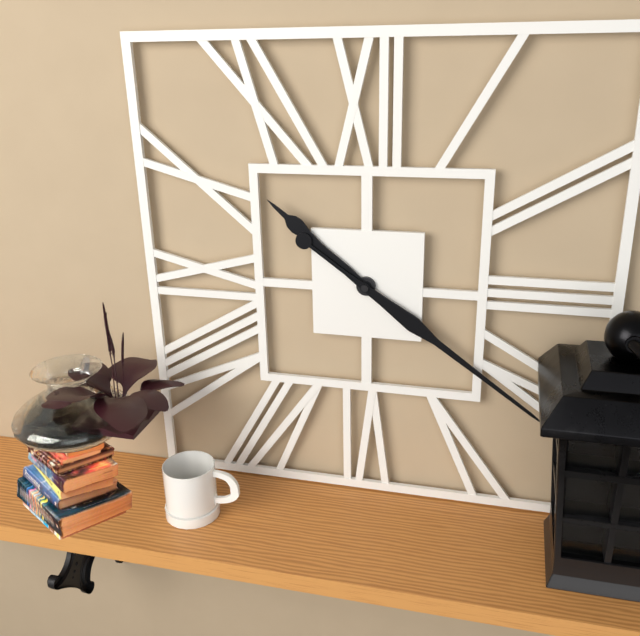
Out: h=10 m=21
